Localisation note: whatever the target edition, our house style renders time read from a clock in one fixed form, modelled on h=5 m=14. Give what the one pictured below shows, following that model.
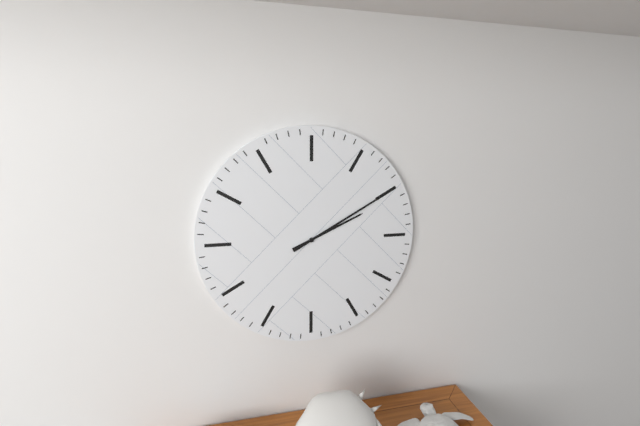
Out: h=2 m=10
